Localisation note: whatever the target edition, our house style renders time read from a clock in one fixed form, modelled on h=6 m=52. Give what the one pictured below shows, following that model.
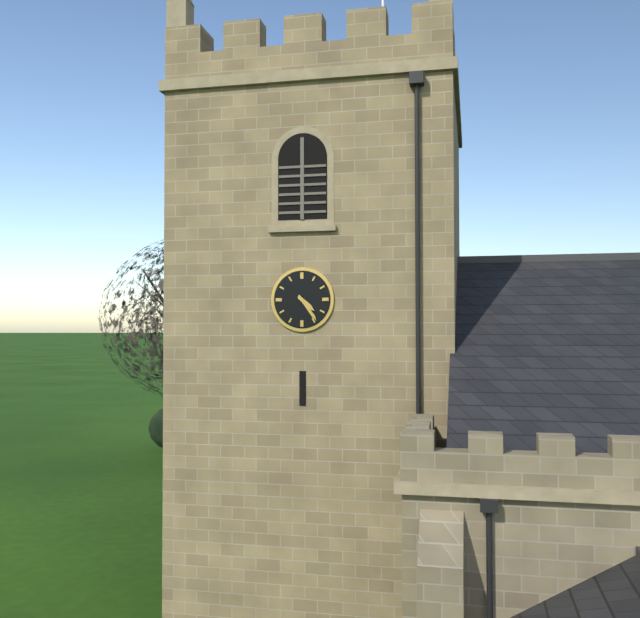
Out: h=4 m=24
